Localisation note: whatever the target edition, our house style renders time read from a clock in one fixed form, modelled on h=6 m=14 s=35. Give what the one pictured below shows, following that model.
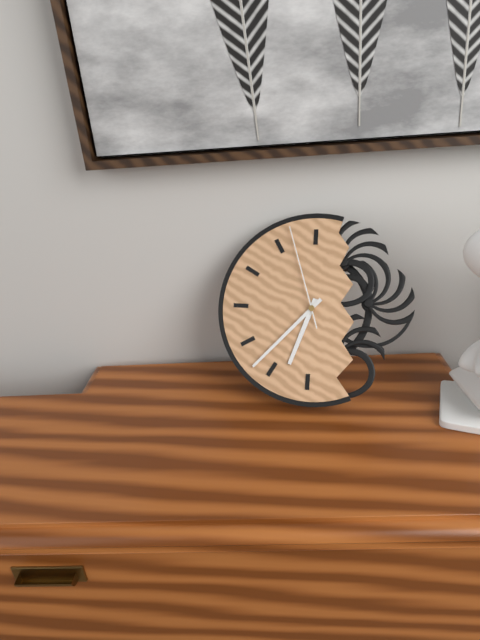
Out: h=6 m=37 s=57
